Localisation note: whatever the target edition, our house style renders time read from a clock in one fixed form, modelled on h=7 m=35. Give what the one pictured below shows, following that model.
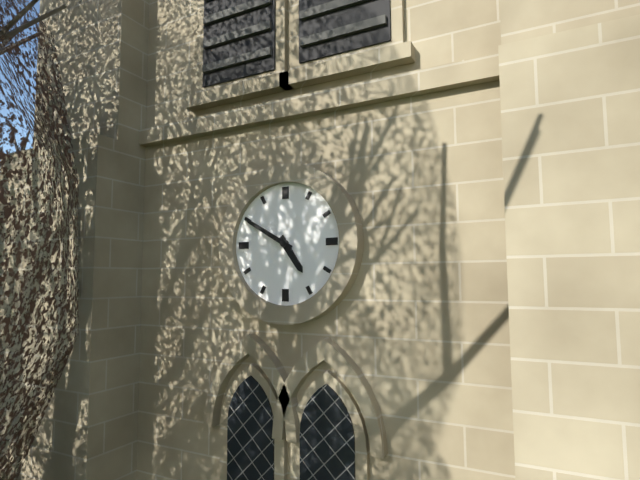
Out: h=4 m=50
